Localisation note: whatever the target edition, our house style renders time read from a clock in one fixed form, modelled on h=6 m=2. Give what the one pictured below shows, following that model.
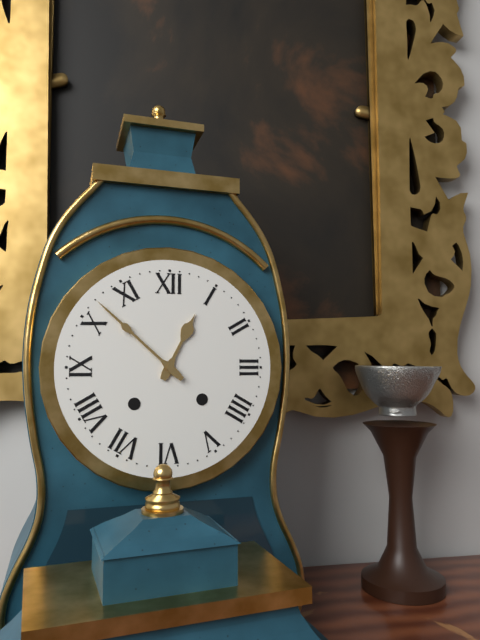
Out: h=12 m=52
